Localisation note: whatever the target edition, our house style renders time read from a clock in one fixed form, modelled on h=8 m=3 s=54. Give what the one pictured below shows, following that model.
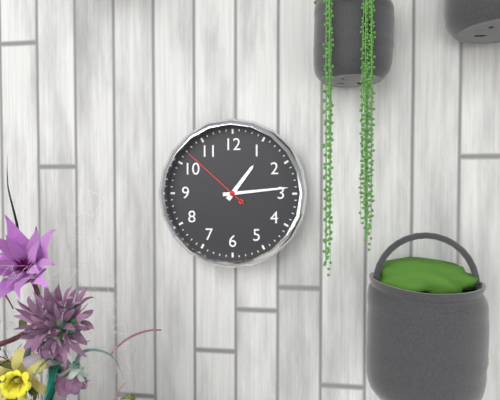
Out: h=1 m=14 s=52
